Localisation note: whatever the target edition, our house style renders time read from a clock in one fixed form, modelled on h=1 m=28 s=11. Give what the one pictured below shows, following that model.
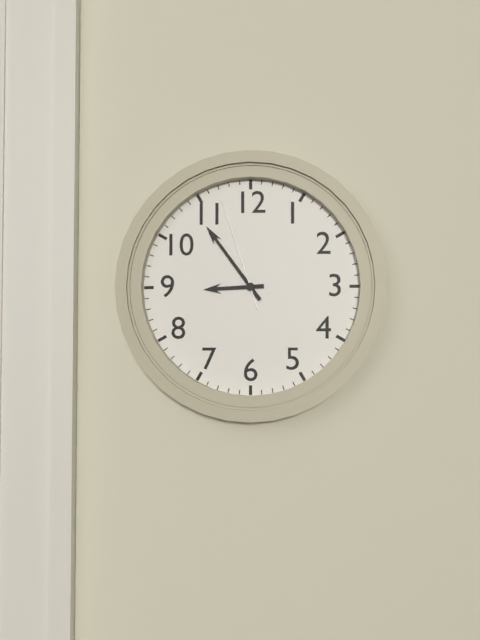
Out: h=8 m=54 s=57
